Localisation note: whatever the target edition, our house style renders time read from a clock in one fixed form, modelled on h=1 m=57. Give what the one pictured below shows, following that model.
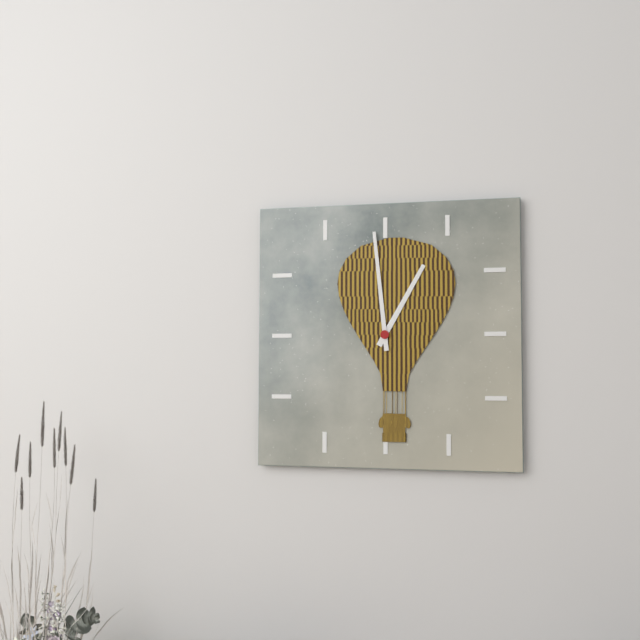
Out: h=12 m=59
